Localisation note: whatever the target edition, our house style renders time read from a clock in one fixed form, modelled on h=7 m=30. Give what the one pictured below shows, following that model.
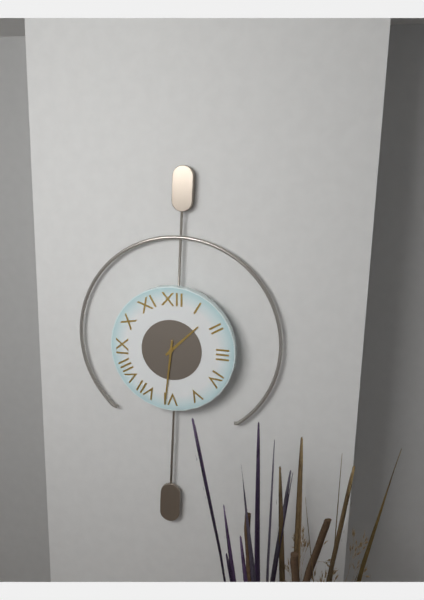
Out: h=1 m=31
